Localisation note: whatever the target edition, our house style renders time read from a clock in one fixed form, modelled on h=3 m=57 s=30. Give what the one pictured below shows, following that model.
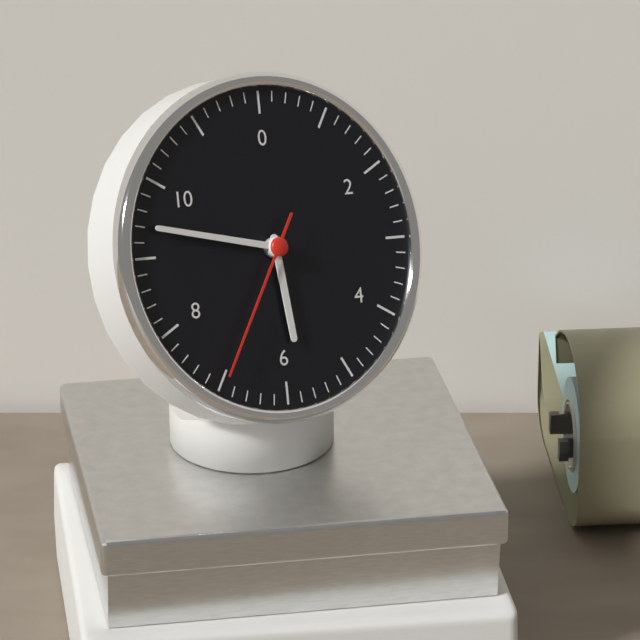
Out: h=5 m=47 s=35
